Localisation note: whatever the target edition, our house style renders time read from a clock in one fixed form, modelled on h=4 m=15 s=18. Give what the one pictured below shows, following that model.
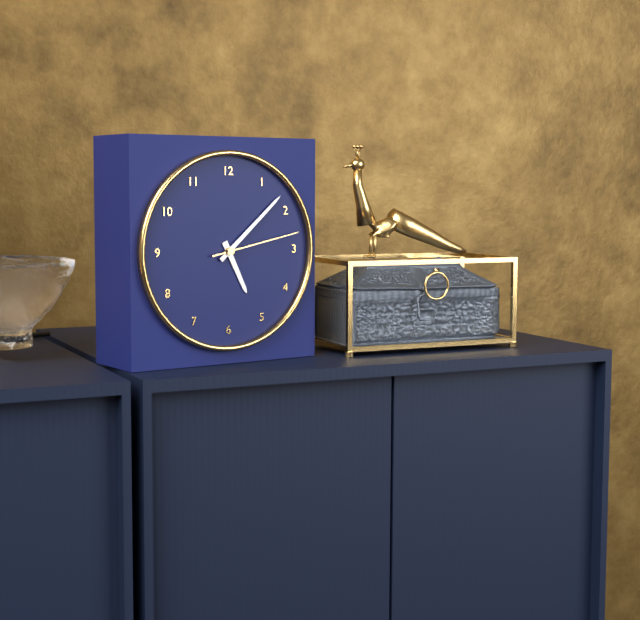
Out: h=5 m=8 s=13
